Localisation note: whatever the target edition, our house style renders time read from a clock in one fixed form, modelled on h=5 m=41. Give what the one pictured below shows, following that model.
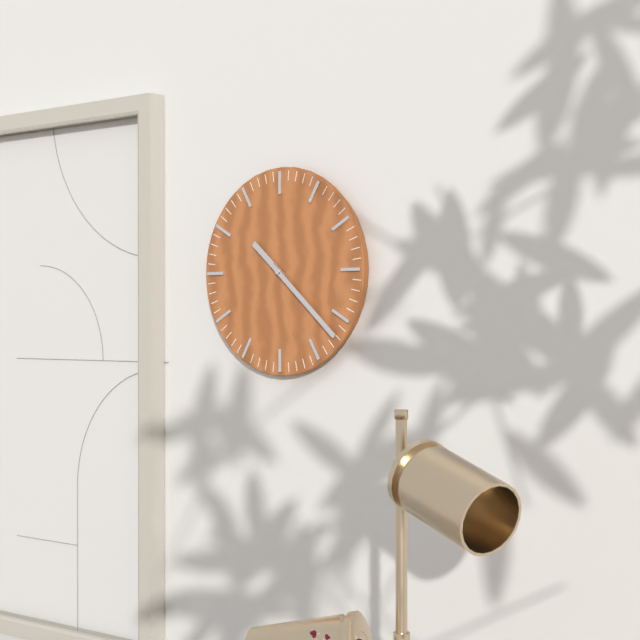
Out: h=10 m=22
